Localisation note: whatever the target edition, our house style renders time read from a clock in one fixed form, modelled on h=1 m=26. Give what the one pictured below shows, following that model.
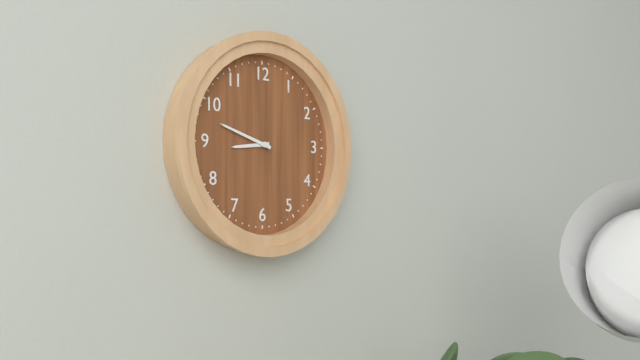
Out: h=8 m=48
